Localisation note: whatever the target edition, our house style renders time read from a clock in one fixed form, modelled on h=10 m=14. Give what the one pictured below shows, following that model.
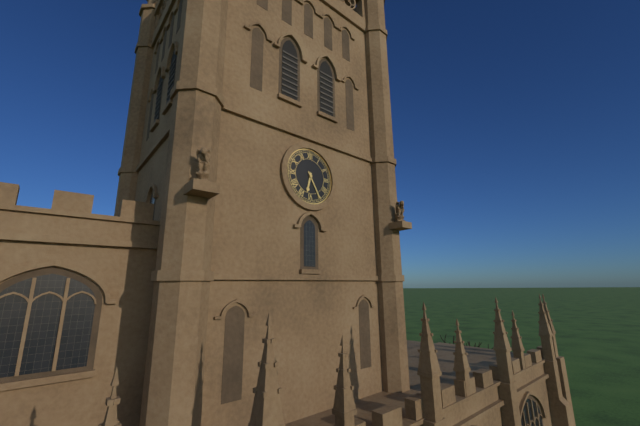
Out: h=6 m=25
